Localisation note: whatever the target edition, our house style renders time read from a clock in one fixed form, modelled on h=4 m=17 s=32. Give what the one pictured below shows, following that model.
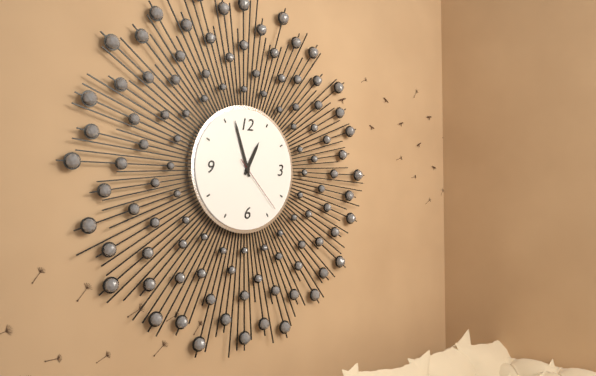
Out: h=12 m=57 s=23
